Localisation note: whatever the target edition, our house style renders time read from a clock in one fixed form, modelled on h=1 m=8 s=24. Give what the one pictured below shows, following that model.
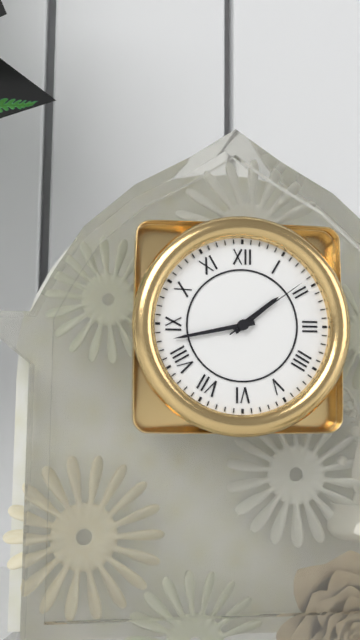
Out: h=1 m=43 s=9
